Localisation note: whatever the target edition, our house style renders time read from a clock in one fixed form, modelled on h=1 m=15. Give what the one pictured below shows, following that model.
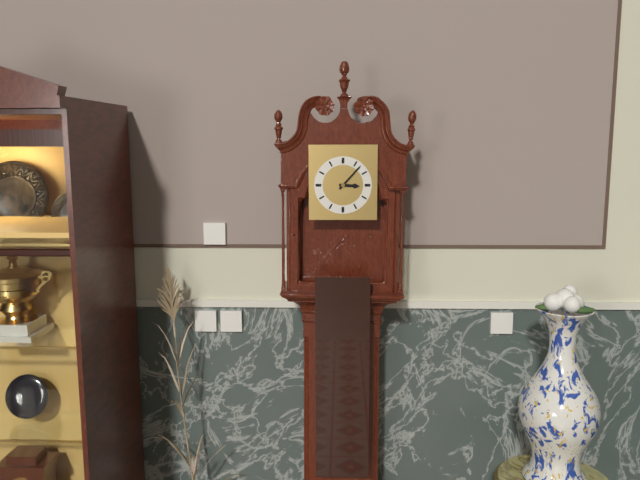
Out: h=3 m=7
